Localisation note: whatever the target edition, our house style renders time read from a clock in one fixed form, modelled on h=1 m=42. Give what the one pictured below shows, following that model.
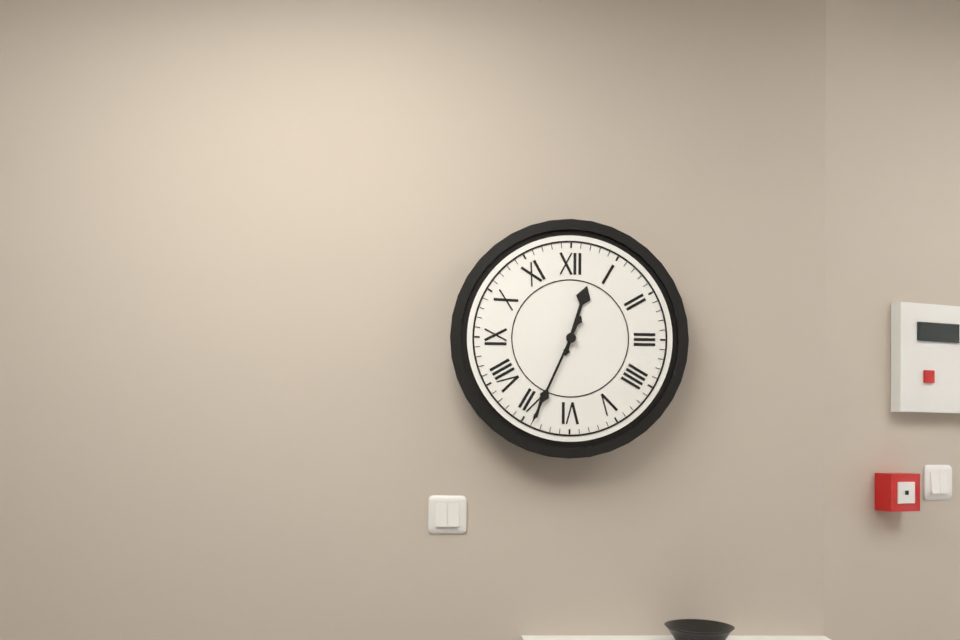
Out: h=12 m=34
